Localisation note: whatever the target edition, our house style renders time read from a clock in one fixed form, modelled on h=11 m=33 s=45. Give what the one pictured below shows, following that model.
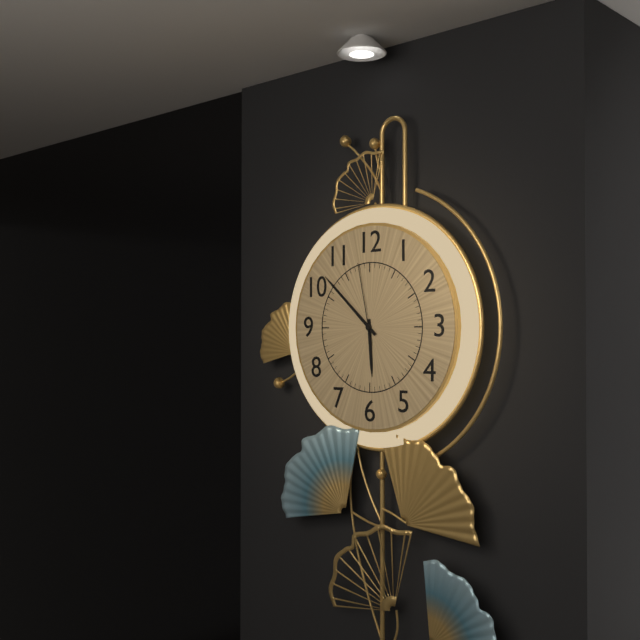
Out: h=5 m=52 s=58
